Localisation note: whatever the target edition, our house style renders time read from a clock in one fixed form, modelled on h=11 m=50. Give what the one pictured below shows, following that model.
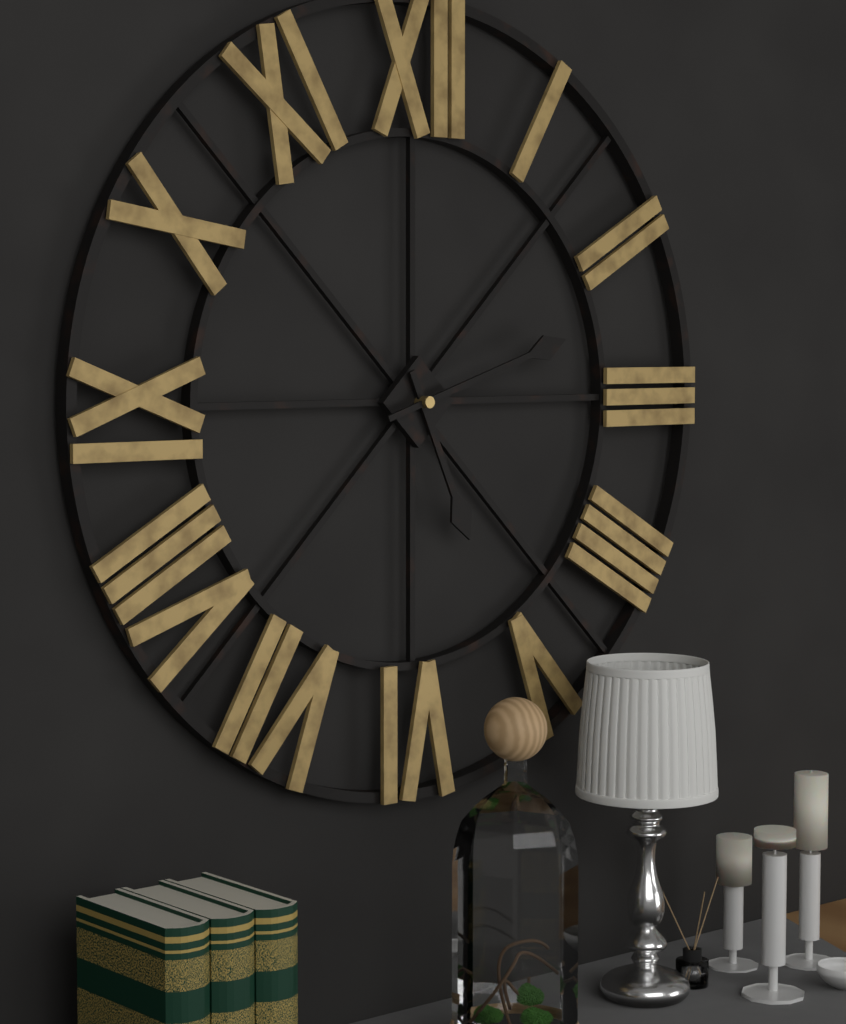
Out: h=5 m=12
